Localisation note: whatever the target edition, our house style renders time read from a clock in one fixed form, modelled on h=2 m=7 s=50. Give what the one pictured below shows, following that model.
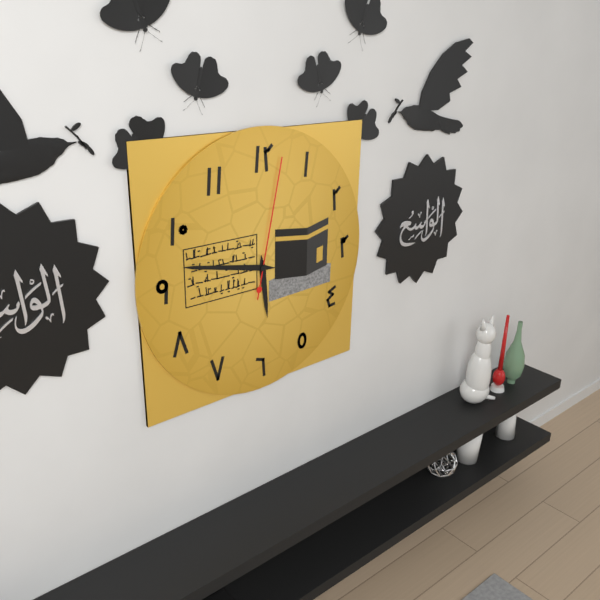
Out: h=5 m=47 s=2
